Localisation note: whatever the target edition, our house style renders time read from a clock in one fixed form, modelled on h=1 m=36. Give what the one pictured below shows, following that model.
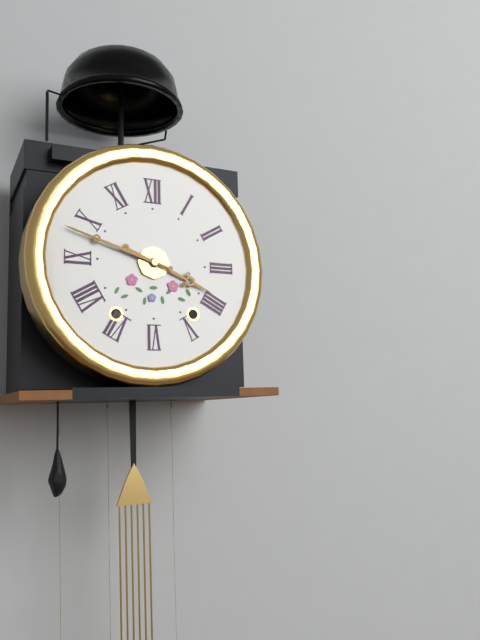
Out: h=3 m=48
